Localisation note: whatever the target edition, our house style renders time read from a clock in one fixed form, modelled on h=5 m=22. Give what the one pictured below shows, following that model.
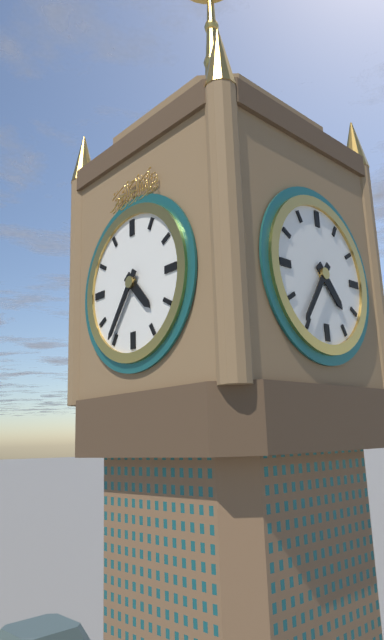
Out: h=4 m=36
